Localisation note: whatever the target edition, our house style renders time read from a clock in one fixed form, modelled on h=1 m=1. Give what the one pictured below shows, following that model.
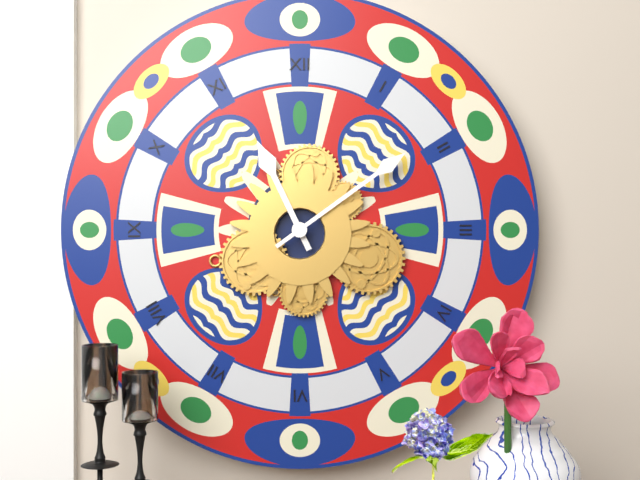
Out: h=11 m=9
